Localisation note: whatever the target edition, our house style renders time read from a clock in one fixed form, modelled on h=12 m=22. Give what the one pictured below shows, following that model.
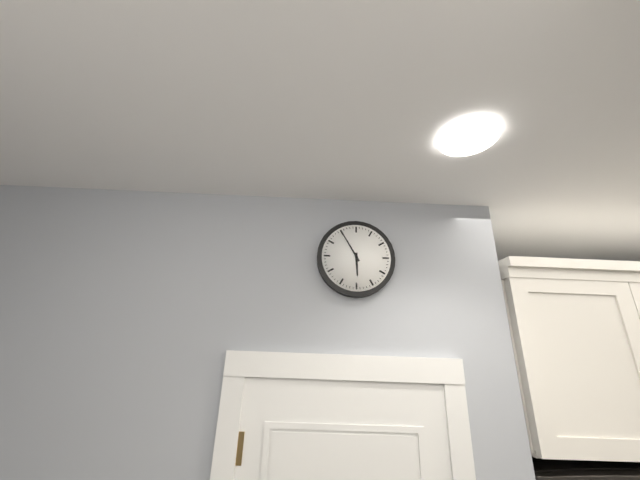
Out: h=5 m=55
